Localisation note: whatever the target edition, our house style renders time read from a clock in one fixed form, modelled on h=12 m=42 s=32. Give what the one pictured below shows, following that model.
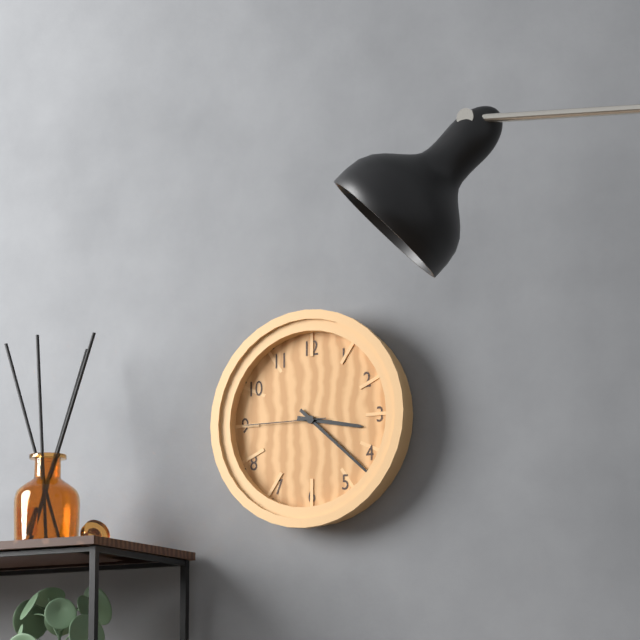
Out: h=3 m=22 s=45
